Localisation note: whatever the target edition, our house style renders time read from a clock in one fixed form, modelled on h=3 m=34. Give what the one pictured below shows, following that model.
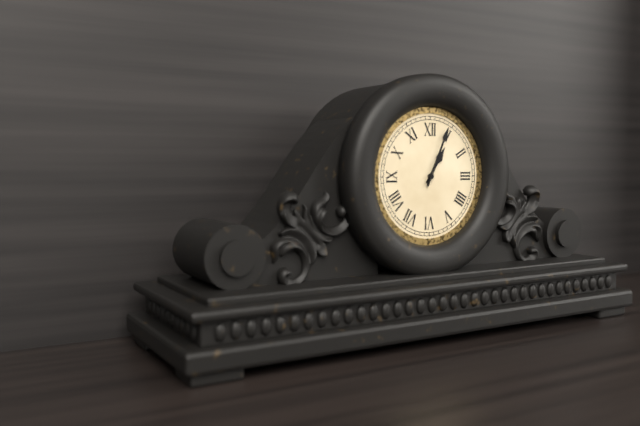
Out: h=1 m=4
